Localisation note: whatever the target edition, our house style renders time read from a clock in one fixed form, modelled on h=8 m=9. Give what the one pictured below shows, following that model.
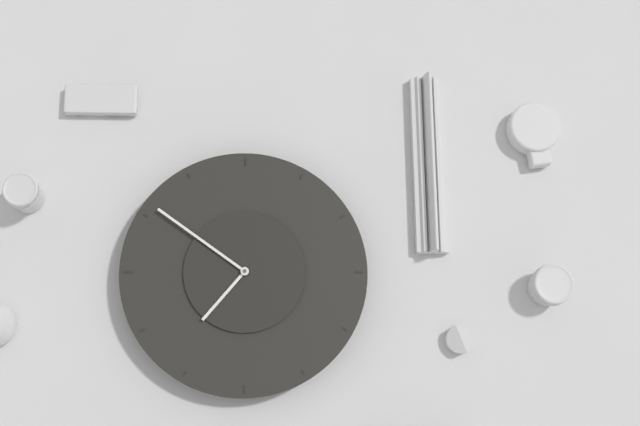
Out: h=1 m=21
